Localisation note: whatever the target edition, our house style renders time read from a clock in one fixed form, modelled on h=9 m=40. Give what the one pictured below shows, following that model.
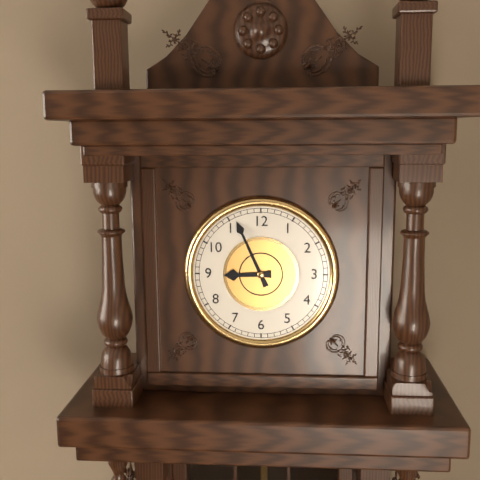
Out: h=8 m=56
